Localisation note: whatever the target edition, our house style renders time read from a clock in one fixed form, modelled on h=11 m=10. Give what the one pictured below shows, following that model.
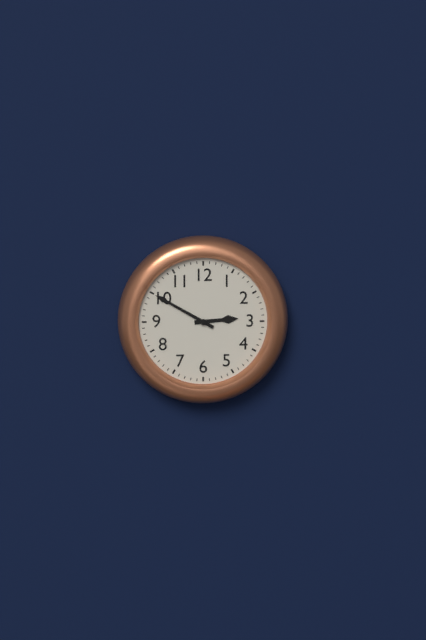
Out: h=2 m=50
